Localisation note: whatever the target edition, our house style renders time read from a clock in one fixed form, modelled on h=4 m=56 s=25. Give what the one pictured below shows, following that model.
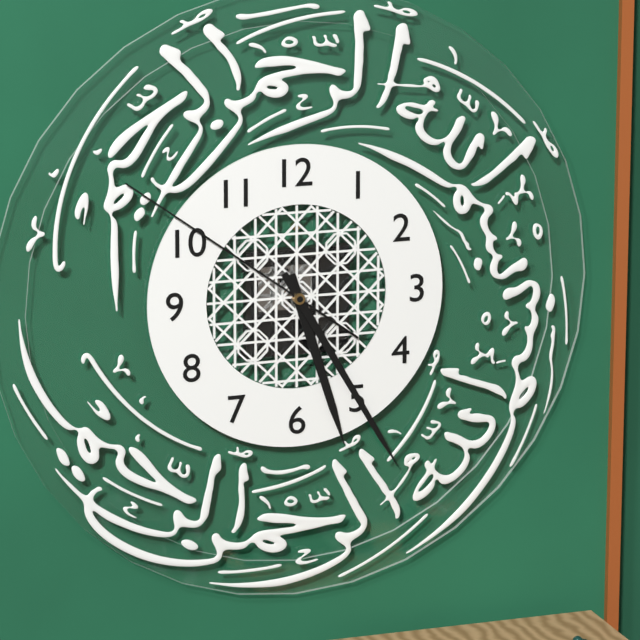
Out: h=5 m=25 s=51
